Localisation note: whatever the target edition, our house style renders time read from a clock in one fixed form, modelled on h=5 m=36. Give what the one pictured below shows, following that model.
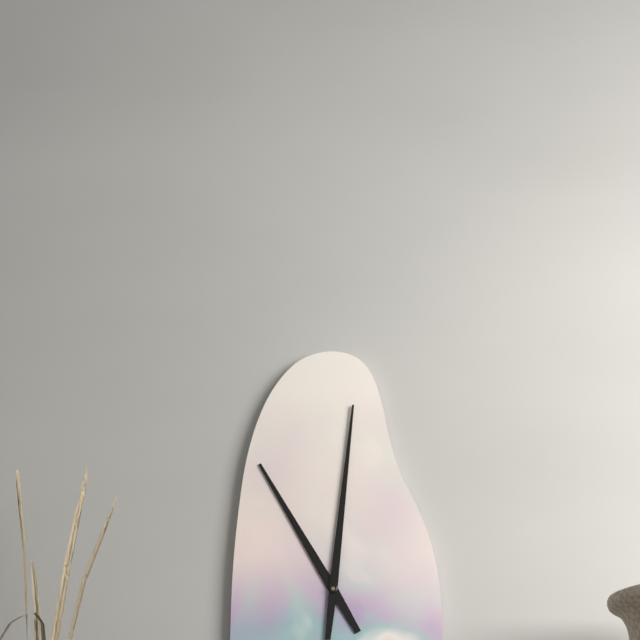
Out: h=11 m=1
